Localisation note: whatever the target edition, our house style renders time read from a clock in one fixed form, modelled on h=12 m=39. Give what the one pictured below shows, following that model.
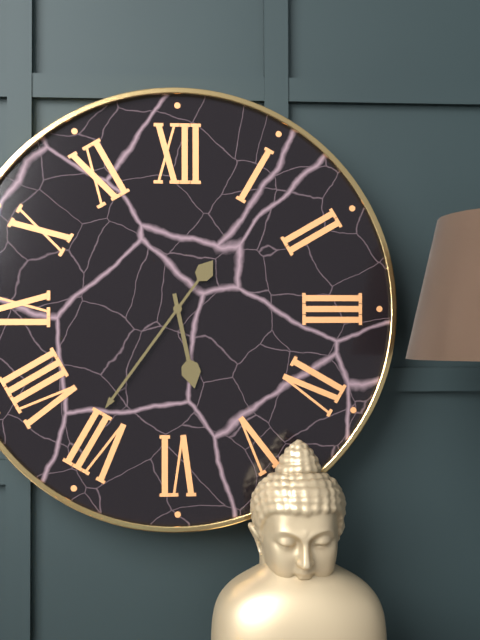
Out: h=5 m=36
